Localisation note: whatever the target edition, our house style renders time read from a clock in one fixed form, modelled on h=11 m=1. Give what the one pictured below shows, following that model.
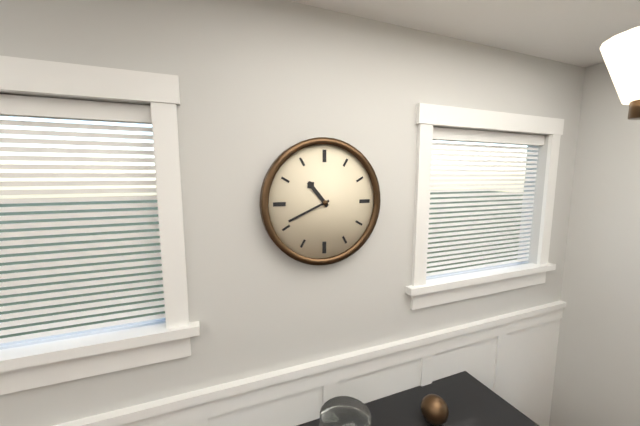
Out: h=10 m=41
